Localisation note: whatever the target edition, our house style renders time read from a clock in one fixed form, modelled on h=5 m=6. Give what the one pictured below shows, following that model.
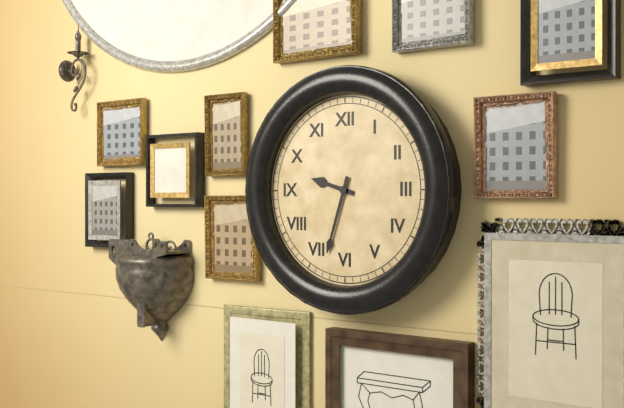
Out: h=9 m=33
